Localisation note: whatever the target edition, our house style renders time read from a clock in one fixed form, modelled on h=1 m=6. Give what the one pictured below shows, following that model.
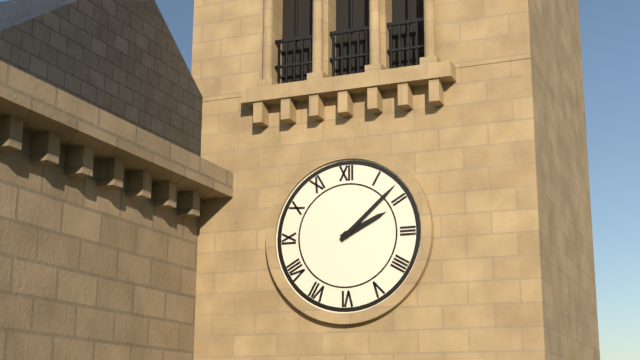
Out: h=2 m=8
